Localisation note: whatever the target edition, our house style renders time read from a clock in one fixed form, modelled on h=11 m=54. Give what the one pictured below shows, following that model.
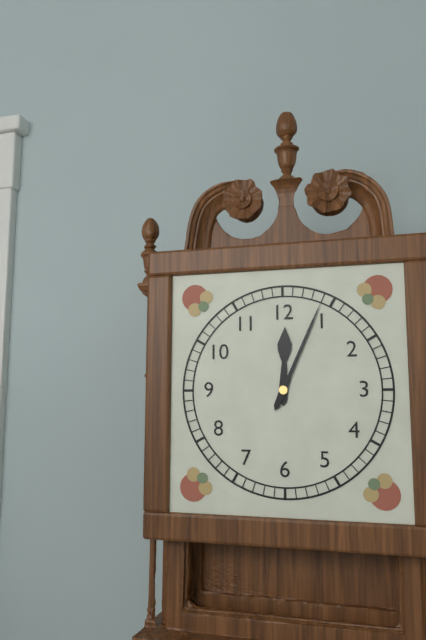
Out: h=12 m=4
